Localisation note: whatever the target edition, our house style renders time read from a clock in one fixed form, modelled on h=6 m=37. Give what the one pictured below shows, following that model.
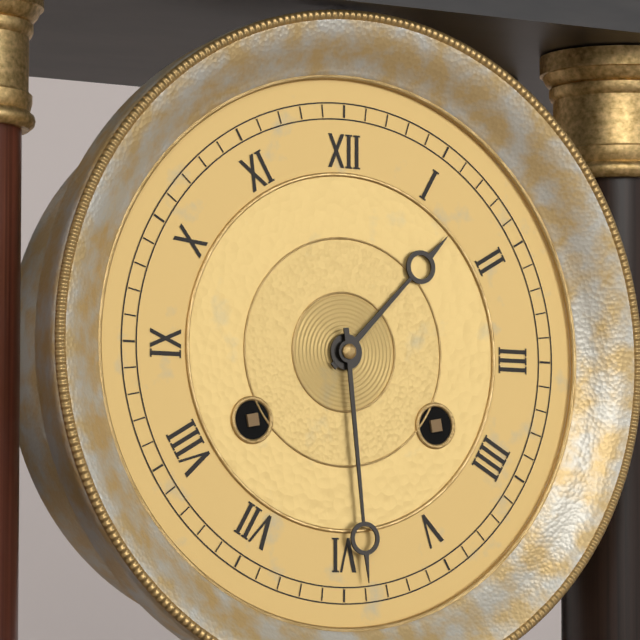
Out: h=1 m=29
